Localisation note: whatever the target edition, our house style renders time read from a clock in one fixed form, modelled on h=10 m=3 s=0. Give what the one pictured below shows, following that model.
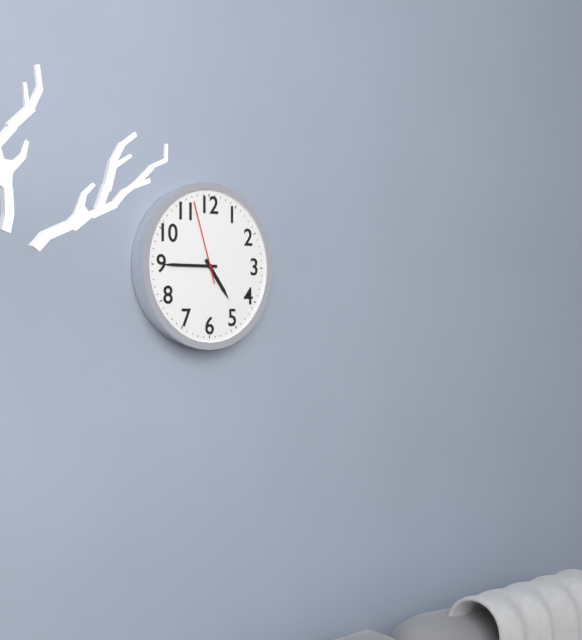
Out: h=4 m=45 s=57
